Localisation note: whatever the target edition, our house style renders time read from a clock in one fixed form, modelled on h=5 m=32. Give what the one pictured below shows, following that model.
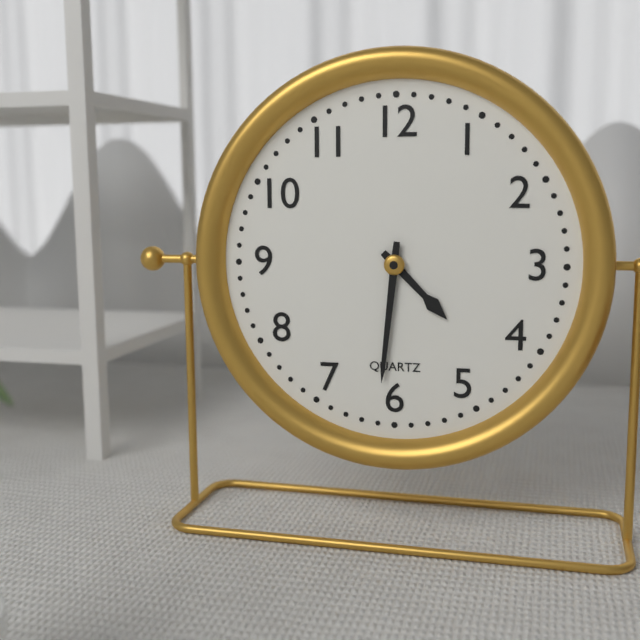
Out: h=4 m=31
